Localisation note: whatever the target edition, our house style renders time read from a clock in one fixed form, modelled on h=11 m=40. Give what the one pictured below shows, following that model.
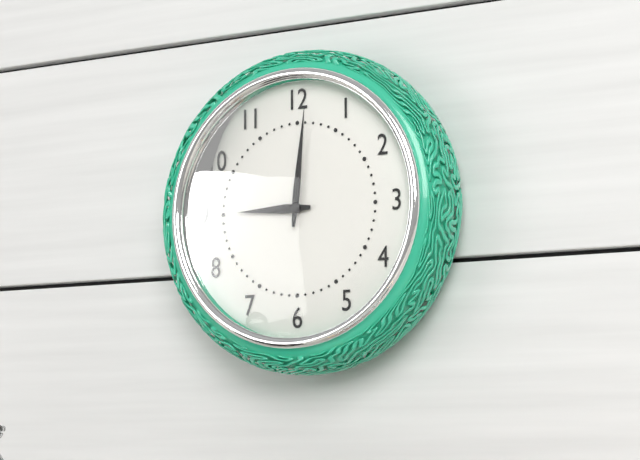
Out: h=9 m=1
